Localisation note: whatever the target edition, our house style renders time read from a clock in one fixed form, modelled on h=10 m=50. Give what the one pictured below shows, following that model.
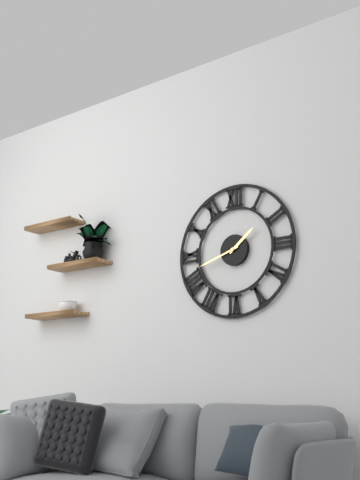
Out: h=1 m=42
